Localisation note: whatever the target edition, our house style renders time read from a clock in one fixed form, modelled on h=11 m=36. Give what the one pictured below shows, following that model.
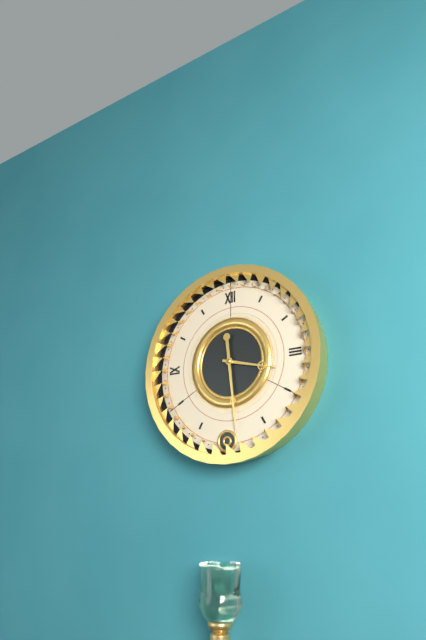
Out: h=3 m=29
